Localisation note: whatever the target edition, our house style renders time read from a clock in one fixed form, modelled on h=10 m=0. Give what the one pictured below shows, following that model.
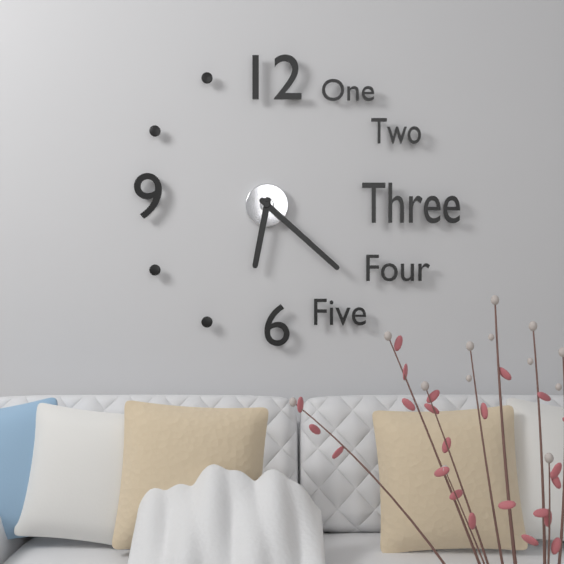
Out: h=6 m=22
